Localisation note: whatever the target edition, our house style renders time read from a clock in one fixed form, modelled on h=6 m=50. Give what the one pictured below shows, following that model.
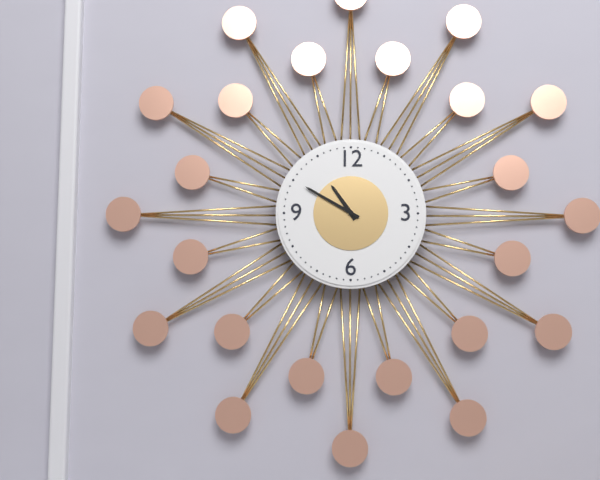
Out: h=10 m=50
